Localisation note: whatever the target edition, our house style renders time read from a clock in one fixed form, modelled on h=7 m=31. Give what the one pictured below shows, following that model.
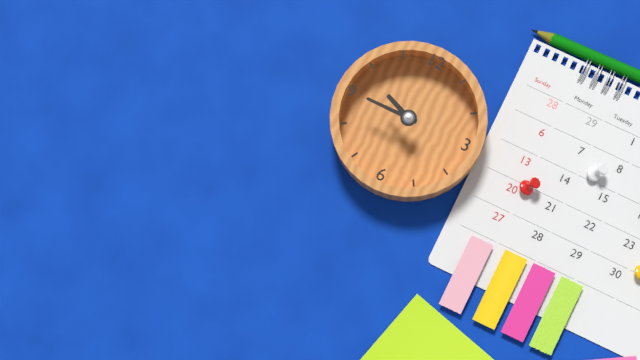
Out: h=9 m=45
